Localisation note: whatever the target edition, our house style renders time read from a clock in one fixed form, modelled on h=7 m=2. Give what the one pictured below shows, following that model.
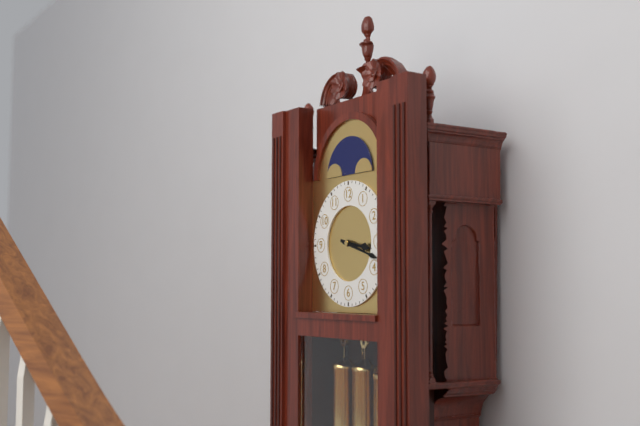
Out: h=3 m=18
